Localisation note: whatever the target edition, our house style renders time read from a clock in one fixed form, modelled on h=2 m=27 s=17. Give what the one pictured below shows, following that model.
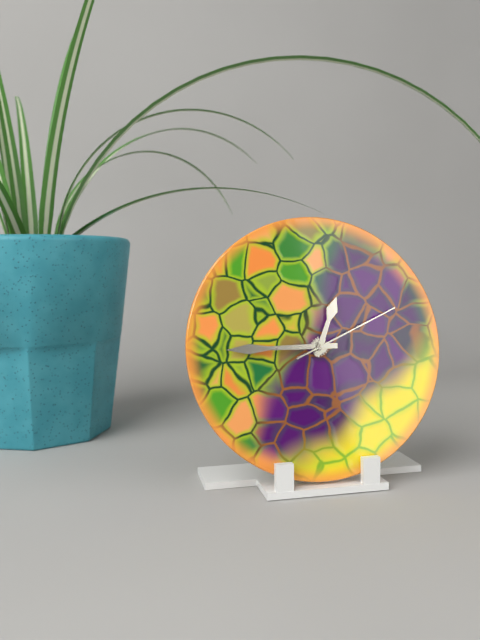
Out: h=12 m=45 s=11
